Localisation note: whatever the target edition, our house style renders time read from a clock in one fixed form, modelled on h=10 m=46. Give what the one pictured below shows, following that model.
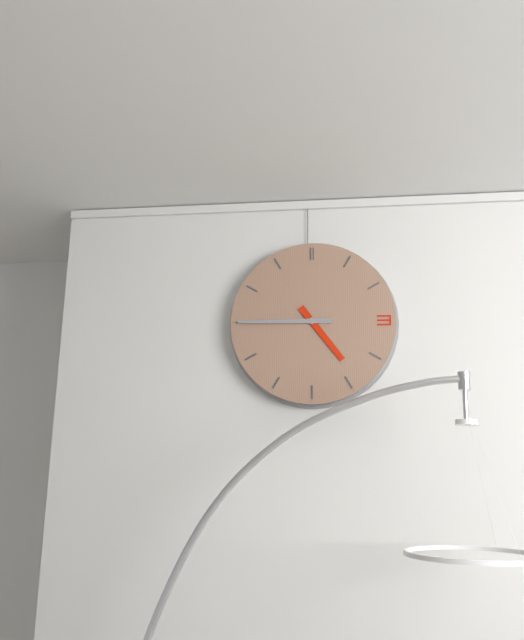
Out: h=4 m=45
